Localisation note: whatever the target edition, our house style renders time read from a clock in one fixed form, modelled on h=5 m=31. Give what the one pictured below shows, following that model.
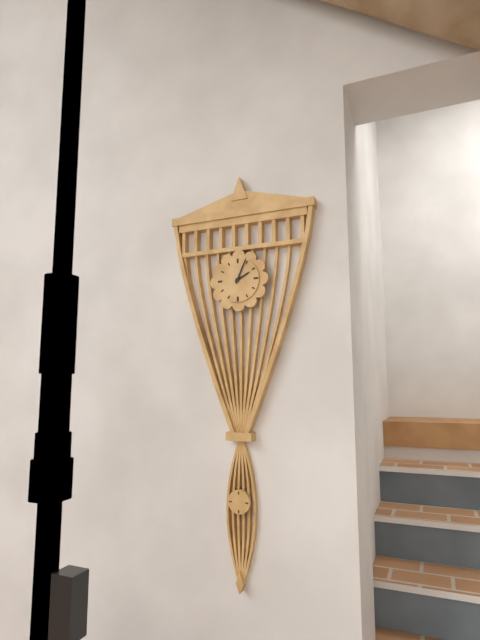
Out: h=2 m=4
